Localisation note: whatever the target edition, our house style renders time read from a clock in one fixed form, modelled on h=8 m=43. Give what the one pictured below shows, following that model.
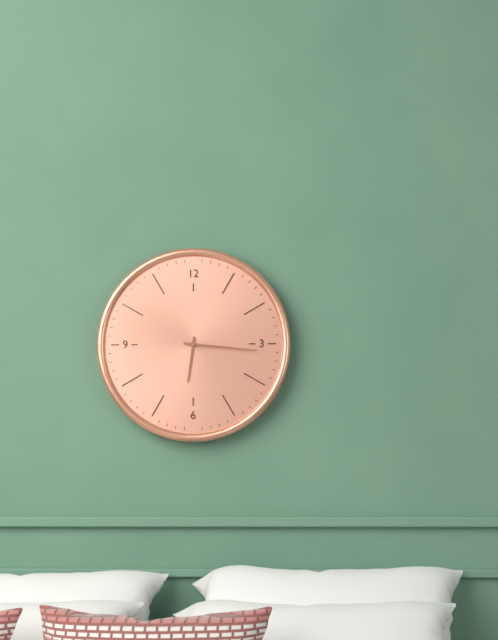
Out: h=6 m=16
